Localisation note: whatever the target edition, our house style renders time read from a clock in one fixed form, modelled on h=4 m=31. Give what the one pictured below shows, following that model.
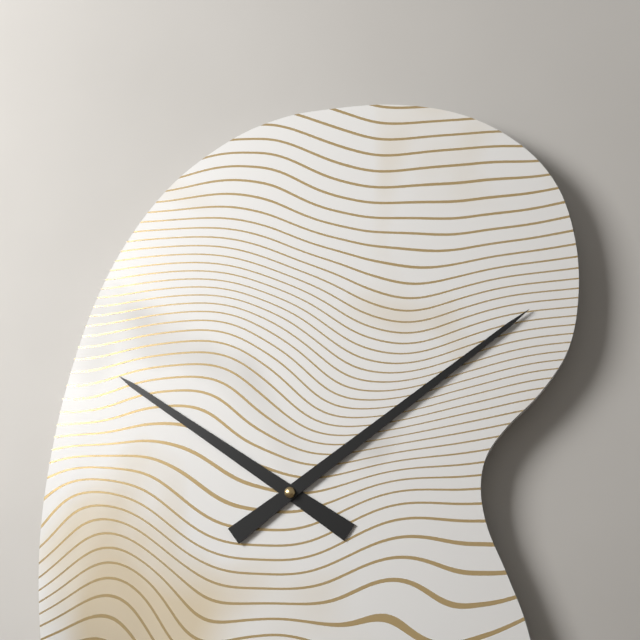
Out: h=10 m=9
